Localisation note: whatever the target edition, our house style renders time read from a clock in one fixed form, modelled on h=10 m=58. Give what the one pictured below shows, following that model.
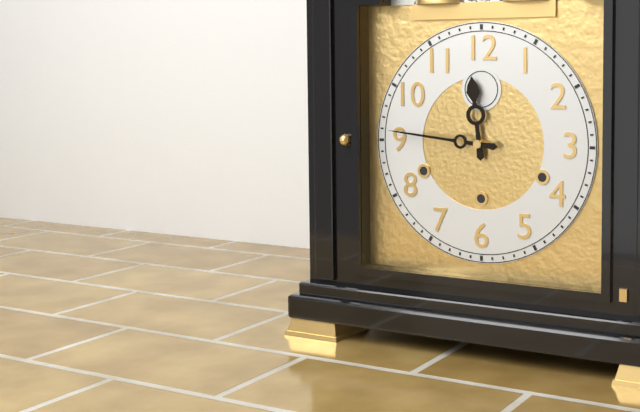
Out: h=11 m=46
